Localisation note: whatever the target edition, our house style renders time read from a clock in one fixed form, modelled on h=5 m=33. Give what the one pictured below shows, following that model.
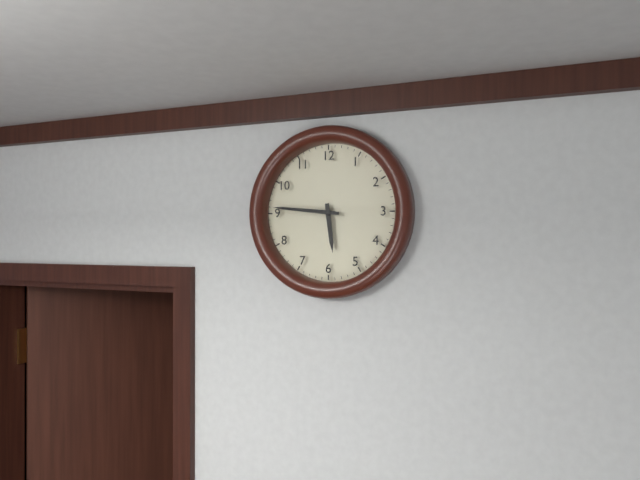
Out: h=5 m=46
